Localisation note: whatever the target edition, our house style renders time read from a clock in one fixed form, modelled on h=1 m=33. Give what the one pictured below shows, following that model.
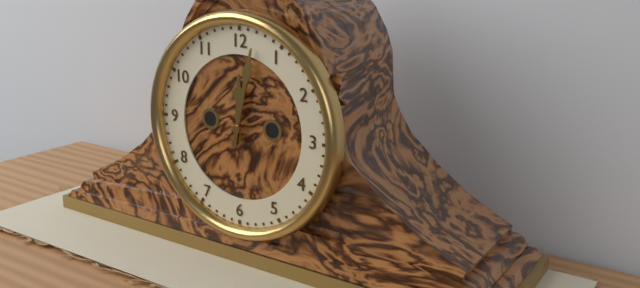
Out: h=12 m=2
